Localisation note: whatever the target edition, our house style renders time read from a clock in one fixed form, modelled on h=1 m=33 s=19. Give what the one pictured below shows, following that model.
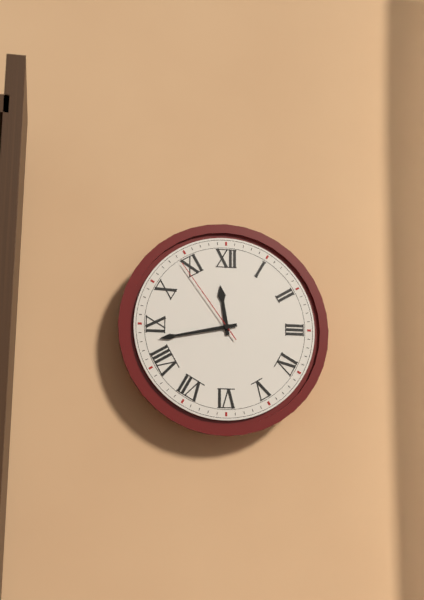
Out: h=11 m=43 s=54
